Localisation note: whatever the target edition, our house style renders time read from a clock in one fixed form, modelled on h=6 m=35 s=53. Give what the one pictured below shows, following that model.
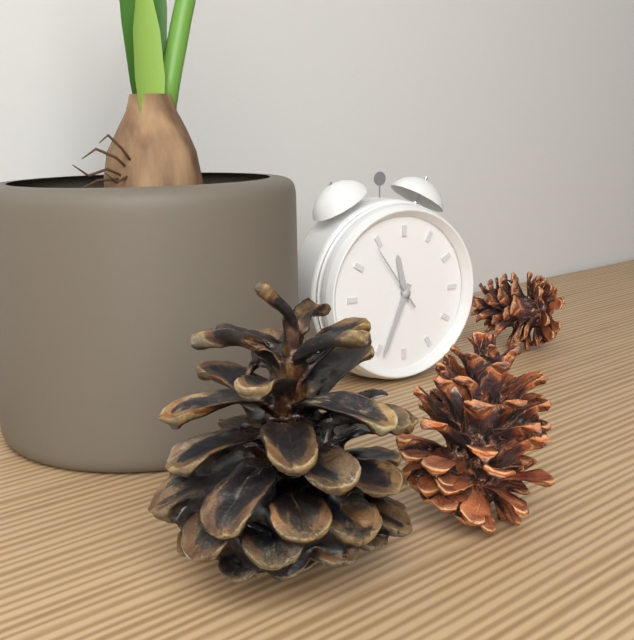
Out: h=11 m=34 s=54
